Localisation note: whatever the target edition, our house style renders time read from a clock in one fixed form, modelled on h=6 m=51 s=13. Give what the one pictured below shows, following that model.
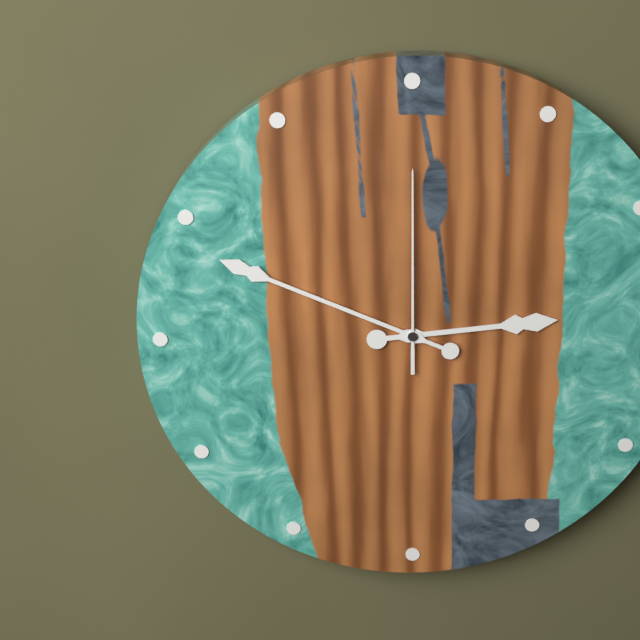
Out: h=2 m=49 s=0
